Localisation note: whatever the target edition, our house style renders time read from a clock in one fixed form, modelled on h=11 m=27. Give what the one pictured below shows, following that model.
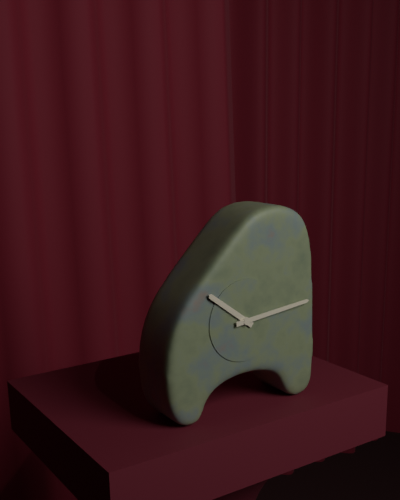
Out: h=10 m=14
